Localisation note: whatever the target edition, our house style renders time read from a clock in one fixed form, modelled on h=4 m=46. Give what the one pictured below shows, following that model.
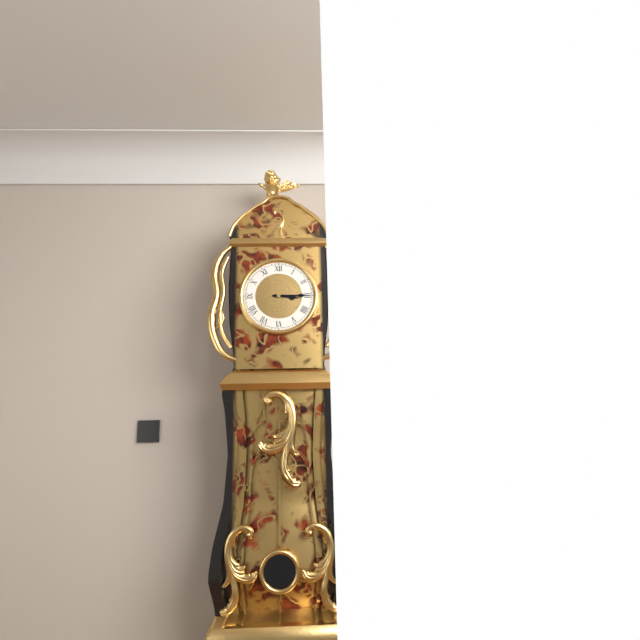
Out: h=3 m=15
